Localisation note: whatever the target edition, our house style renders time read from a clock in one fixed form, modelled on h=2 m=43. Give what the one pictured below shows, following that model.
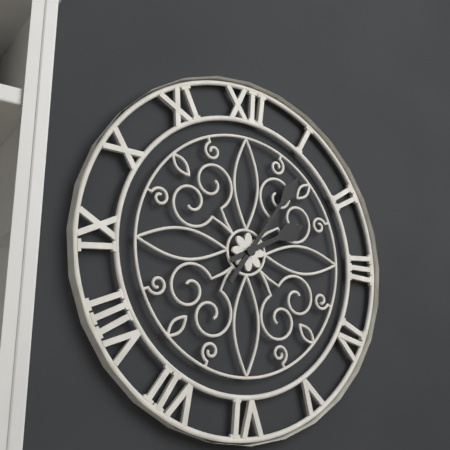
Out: h=2 m=6
